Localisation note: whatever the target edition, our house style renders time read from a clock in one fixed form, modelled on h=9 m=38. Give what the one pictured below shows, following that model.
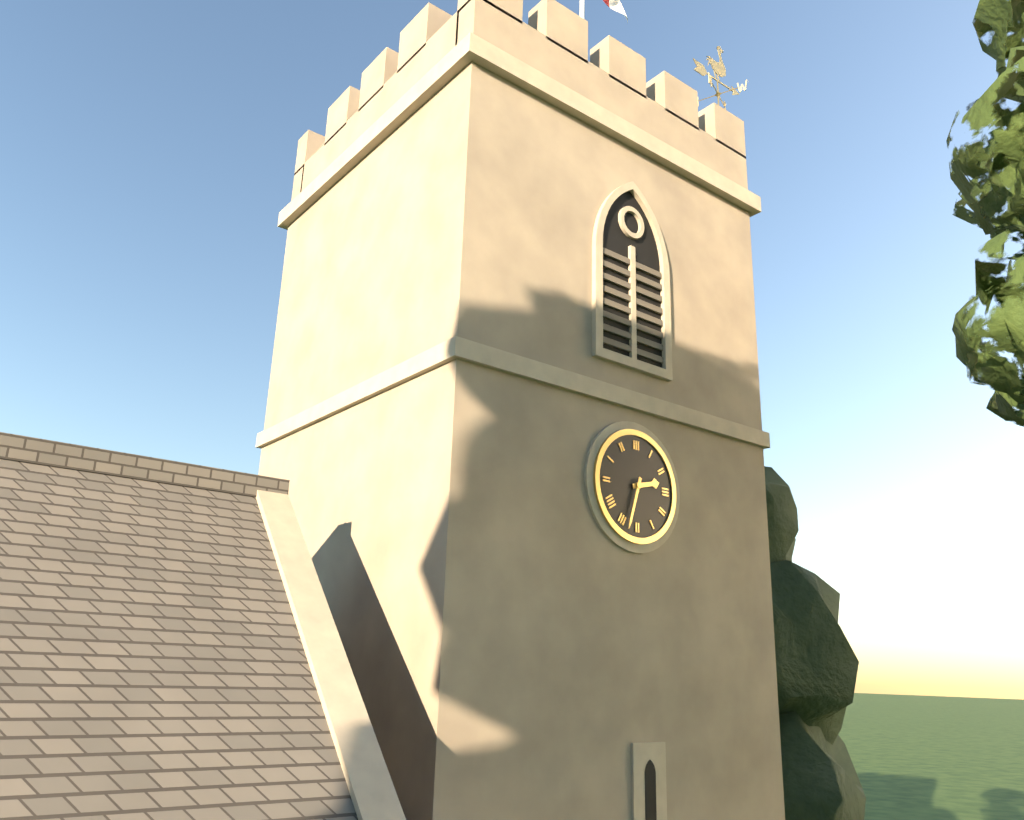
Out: h=2 m=33
